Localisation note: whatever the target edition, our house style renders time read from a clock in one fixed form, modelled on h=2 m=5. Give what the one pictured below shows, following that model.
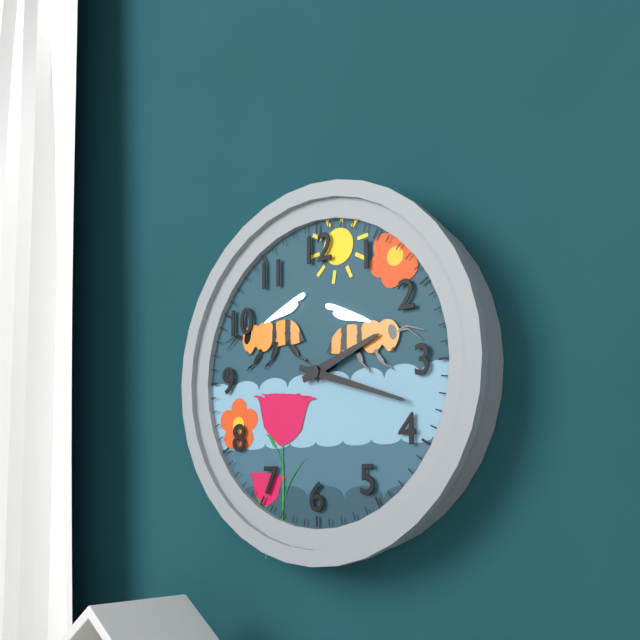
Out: h=2 m=18
